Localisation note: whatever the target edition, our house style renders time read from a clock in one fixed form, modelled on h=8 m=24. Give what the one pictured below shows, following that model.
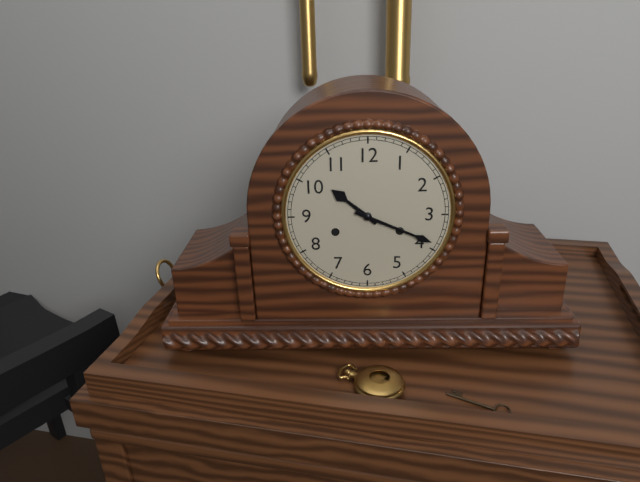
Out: h=10 m=19
